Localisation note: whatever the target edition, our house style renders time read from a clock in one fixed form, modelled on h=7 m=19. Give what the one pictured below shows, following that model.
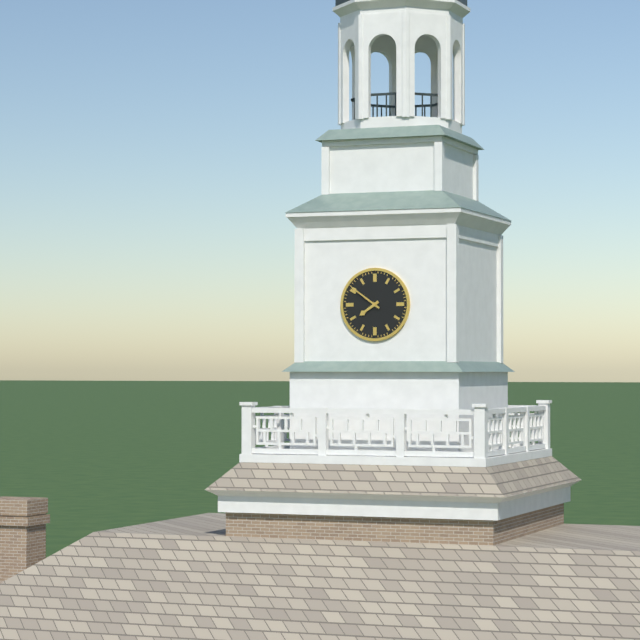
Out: h=7 m=51
